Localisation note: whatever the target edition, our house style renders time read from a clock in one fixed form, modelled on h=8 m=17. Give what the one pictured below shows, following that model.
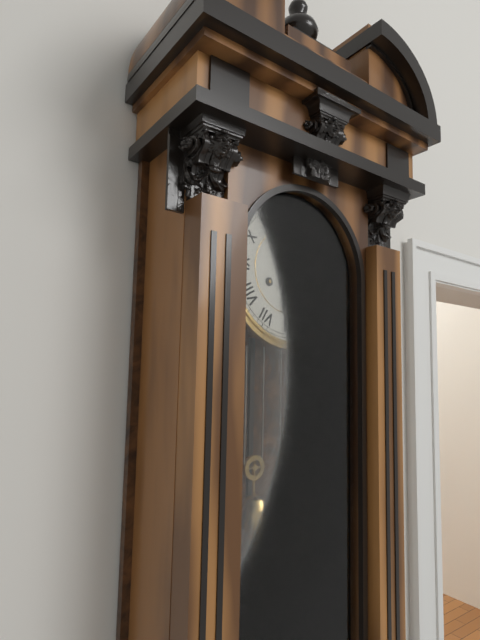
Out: h=6 m=16
